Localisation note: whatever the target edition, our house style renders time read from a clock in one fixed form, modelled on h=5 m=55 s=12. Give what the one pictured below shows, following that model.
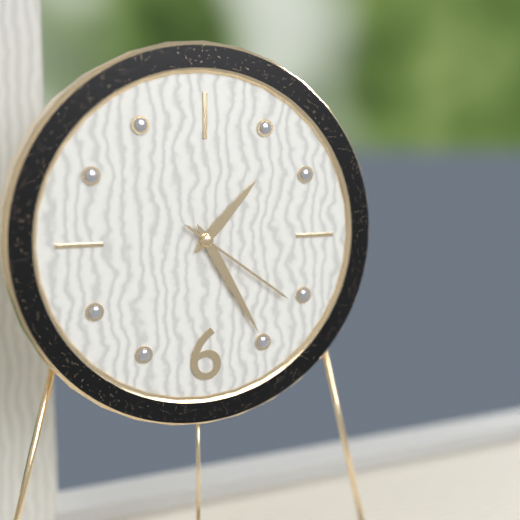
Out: h=1 m=25 s=21
